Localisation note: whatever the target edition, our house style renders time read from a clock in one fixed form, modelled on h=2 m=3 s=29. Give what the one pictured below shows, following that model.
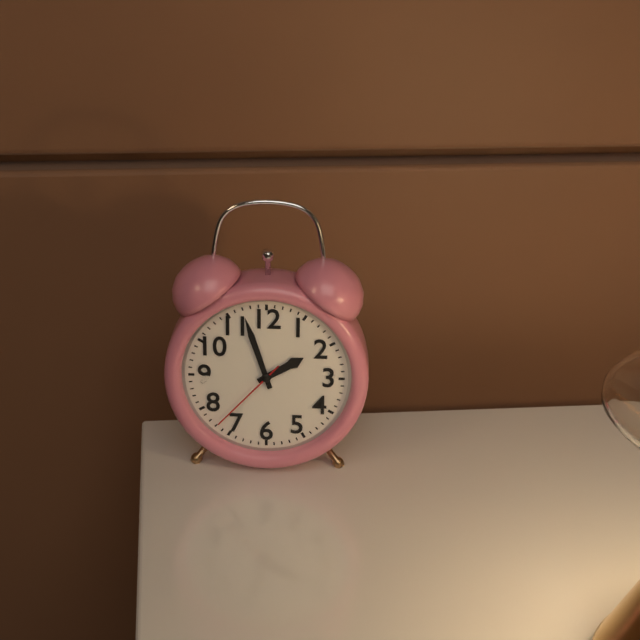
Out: h=1 m=57 s=37
